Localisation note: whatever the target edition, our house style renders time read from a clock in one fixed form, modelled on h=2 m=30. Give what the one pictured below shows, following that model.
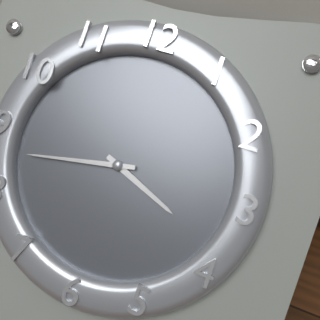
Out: h=3 m=43
